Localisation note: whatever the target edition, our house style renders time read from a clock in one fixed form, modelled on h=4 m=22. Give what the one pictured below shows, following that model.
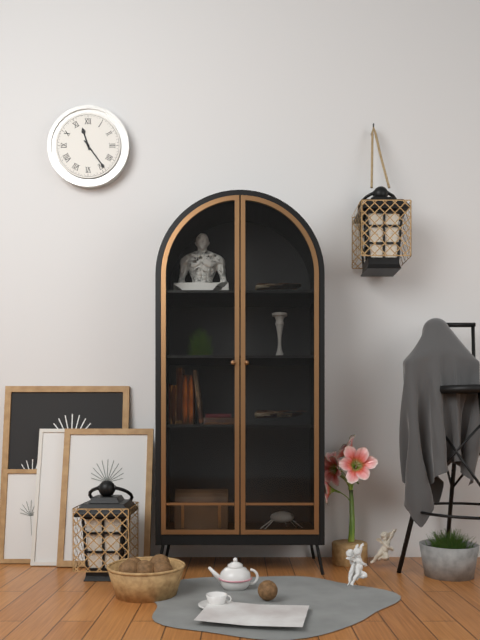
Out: h=11 m=24
